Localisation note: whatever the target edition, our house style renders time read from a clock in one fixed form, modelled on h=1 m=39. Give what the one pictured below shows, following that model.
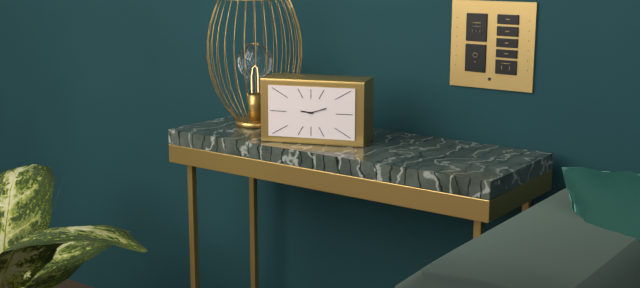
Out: h=9 m=12
